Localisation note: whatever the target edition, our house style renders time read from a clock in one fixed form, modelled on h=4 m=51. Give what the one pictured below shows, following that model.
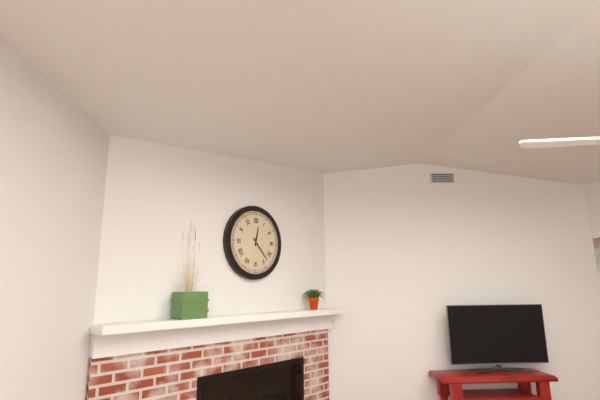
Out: h=12 m=23
